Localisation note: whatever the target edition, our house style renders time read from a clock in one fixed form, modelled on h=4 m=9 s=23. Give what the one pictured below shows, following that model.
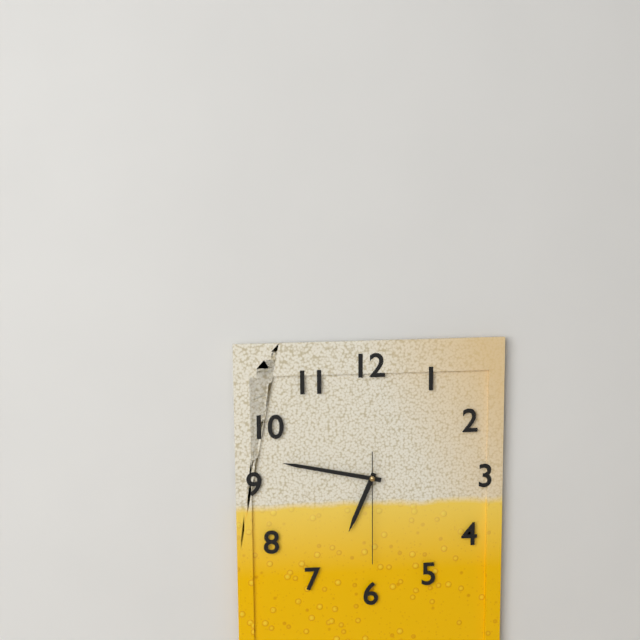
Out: h=6 m=47 s=30
